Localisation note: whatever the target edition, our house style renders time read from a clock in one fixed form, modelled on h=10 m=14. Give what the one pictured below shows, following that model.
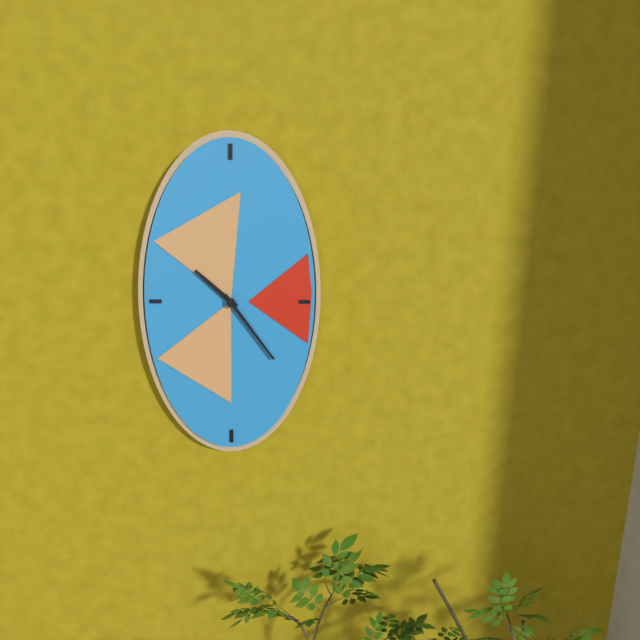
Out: h=10 m=24
